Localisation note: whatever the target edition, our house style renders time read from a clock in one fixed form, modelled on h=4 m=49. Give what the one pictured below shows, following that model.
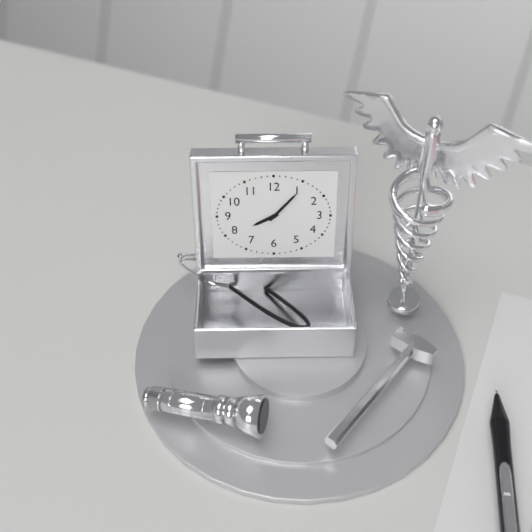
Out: h=8 m=7
